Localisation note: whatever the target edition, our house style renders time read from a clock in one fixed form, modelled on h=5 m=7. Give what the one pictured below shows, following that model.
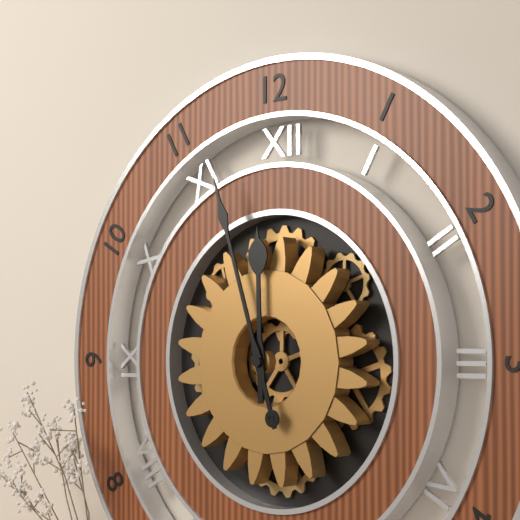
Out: h=11 m=57
